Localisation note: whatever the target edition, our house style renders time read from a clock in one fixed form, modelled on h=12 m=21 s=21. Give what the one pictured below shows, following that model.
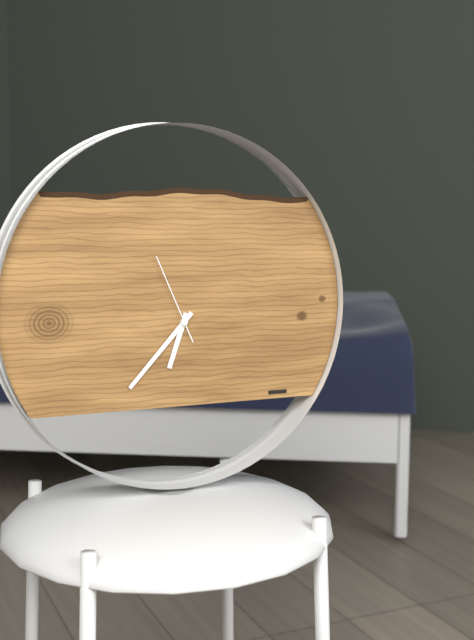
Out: h=6 m=37 s=56
